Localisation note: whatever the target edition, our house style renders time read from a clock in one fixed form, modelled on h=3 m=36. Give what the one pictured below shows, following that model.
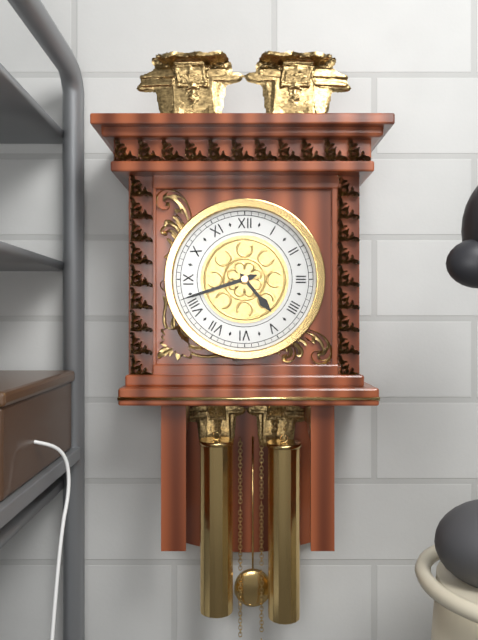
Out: h=4 m=42
